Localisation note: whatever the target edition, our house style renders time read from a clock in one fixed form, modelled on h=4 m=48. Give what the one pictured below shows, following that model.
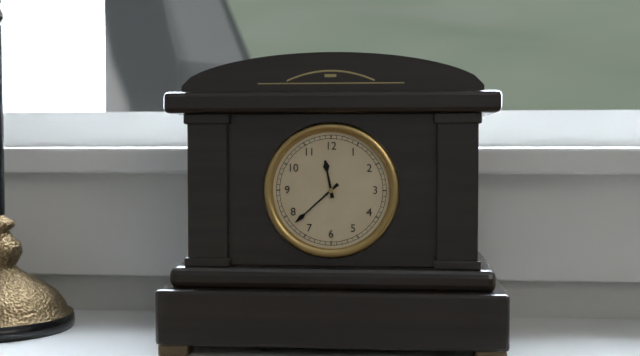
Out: h=11 m=38
